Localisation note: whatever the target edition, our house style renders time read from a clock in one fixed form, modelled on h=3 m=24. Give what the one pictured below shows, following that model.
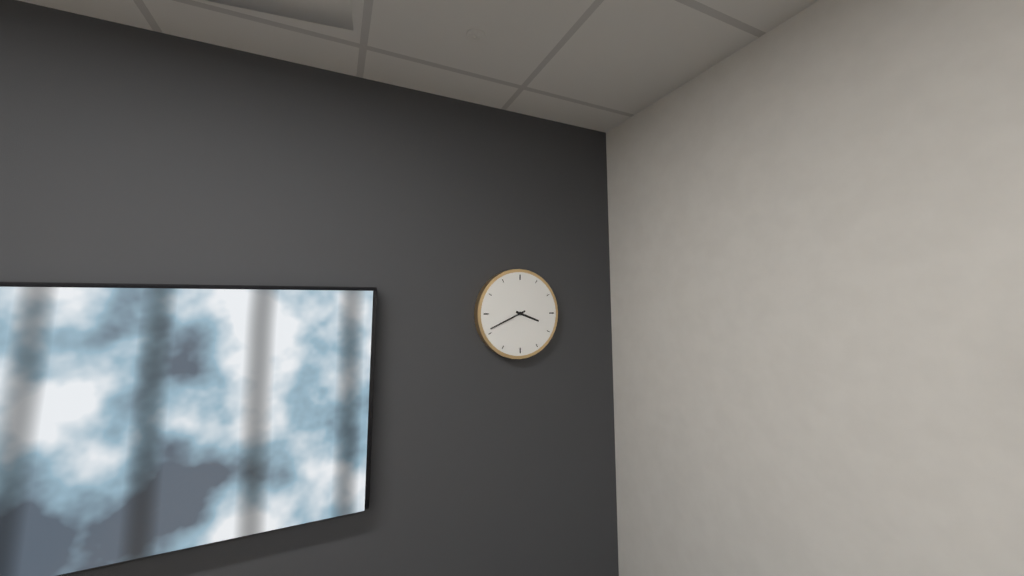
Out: h=3 m=41
